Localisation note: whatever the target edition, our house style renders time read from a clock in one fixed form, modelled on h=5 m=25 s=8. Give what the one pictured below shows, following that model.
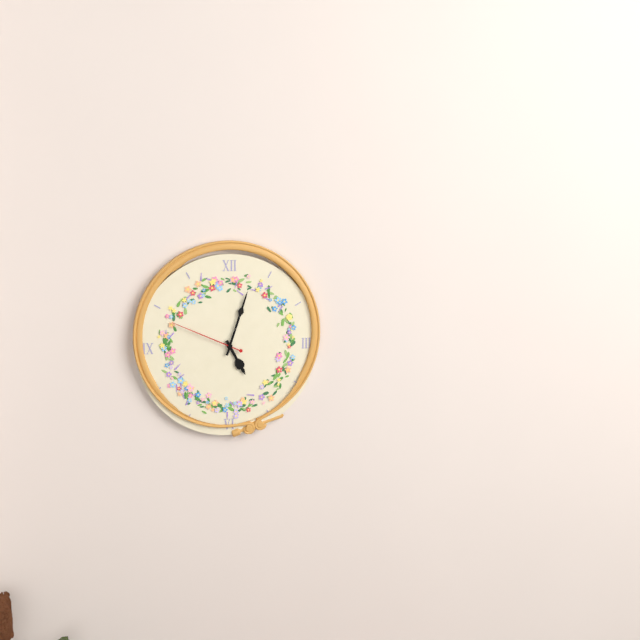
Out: h=5 m=3 s=49
